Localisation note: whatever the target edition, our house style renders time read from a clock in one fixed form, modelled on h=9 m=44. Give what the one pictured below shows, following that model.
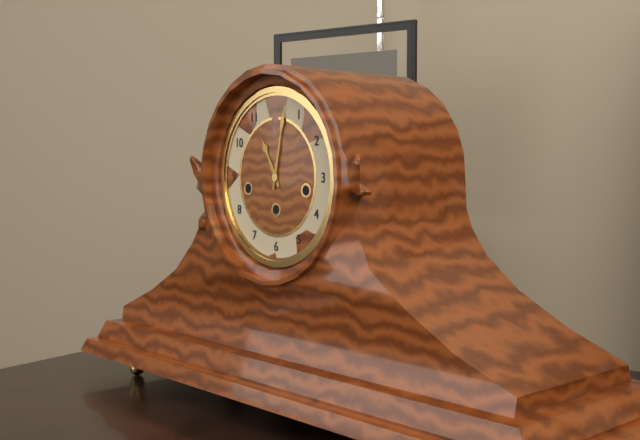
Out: h=11 m=2
